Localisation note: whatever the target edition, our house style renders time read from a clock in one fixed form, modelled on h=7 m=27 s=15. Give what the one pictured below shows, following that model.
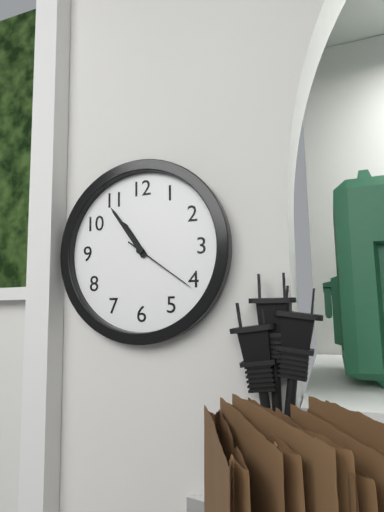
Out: h=10 m=54 s=21
